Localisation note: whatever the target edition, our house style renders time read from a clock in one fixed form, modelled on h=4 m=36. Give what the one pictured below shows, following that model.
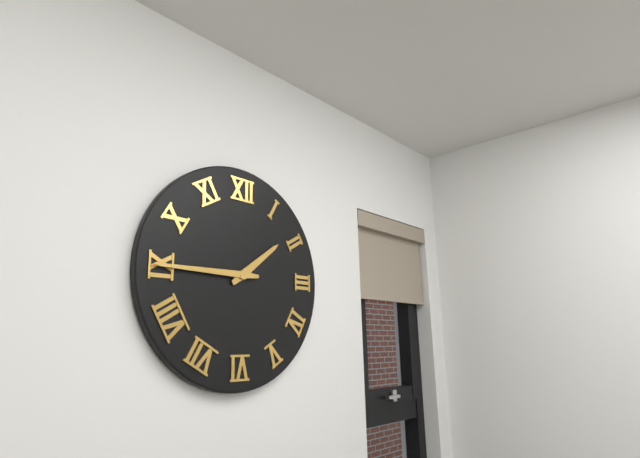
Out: h=1 m=45
